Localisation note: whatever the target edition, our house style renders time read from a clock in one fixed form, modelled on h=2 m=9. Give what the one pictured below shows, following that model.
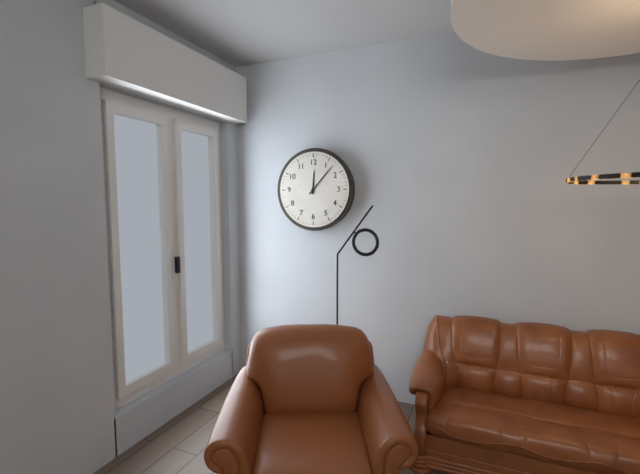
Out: h=12 m=7
